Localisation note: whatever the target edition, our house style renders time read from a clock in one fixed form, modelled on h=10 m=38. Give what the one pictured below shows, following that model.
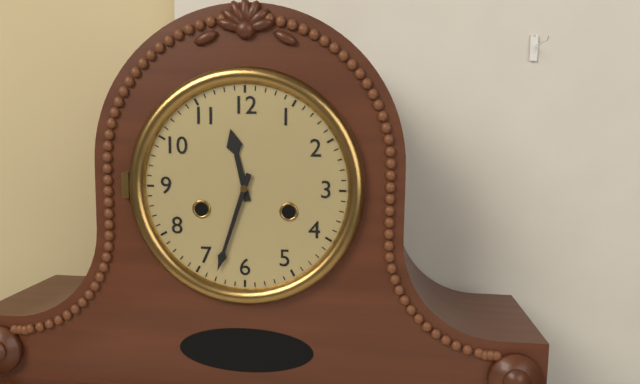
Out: h=11 m=33
